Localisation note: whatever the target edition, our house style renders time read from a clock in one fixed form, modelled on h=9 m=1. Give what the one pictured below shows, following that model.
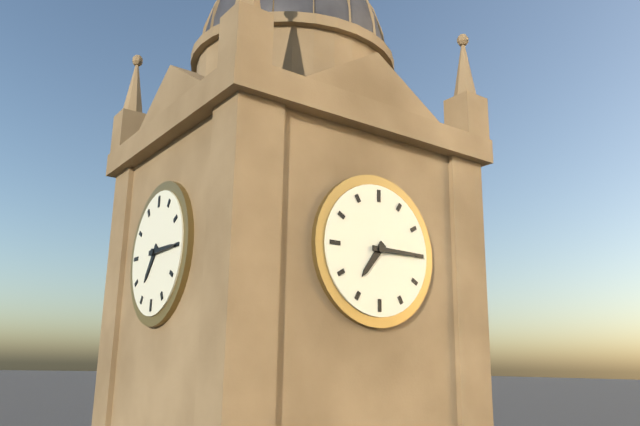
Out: h=7 m=15
